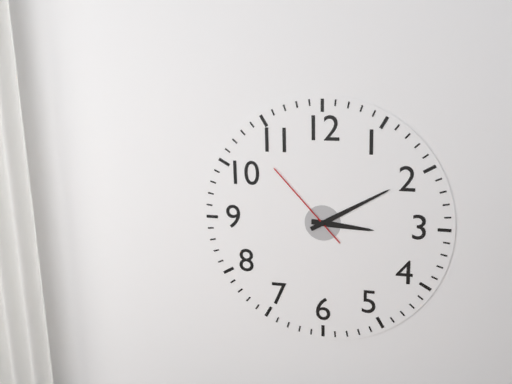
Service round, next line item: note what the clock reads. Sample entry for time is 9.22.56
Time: 3.10.53
